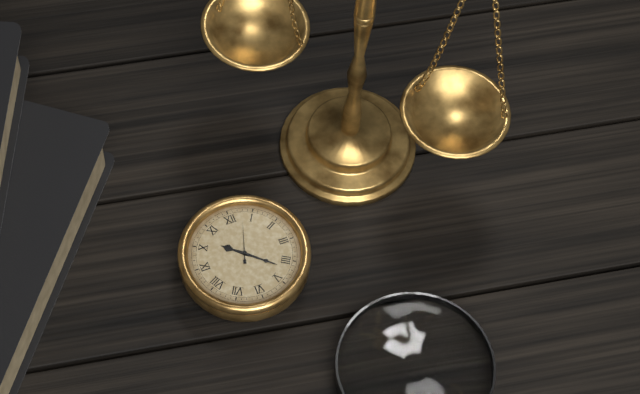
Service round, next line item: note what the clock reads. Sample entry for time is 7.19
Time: 10.22
